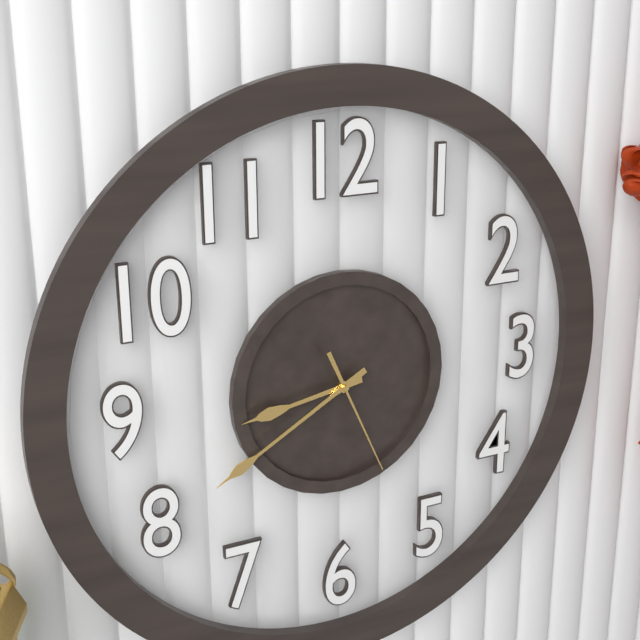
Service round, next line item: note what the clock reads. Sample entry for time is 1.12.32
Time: 8.40.26
